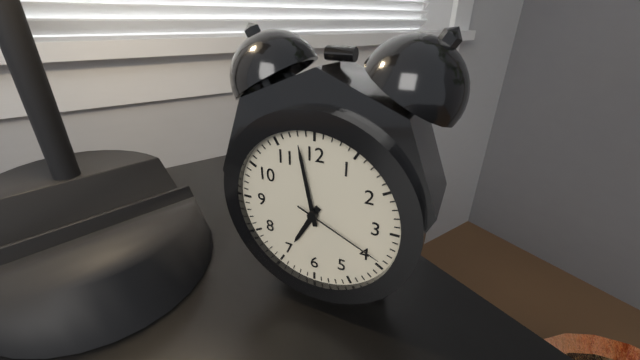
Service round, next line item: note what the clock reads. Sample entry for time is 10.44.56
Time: 6.58.19
